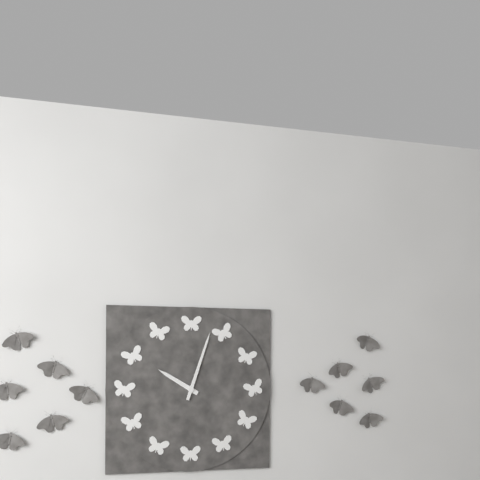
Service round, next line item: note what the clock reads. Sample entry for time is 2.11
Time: 10.03
